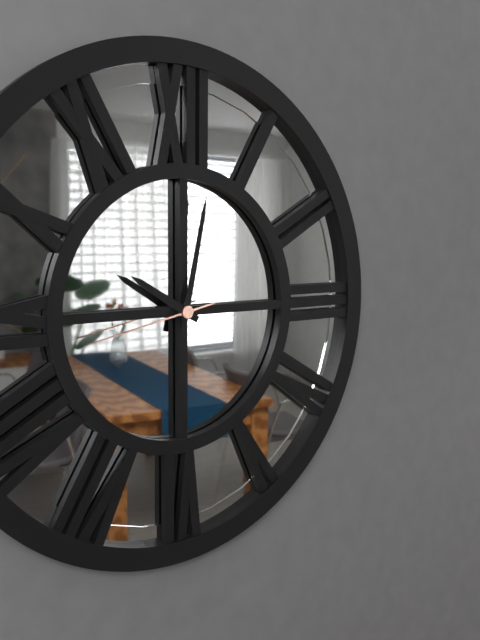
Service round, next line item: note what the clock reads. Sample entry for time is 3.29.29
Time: 10.02.43
